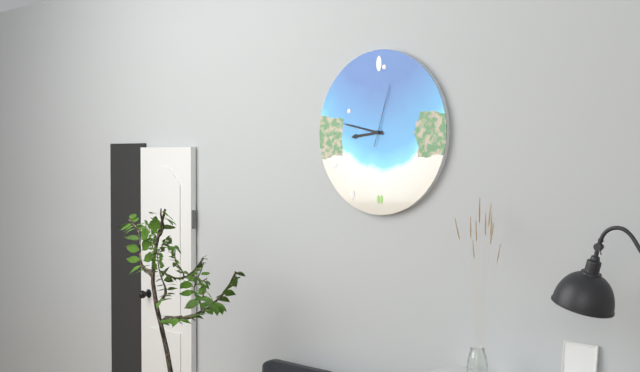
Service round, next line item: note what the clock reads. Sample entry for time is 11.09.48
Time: 8.47.03
